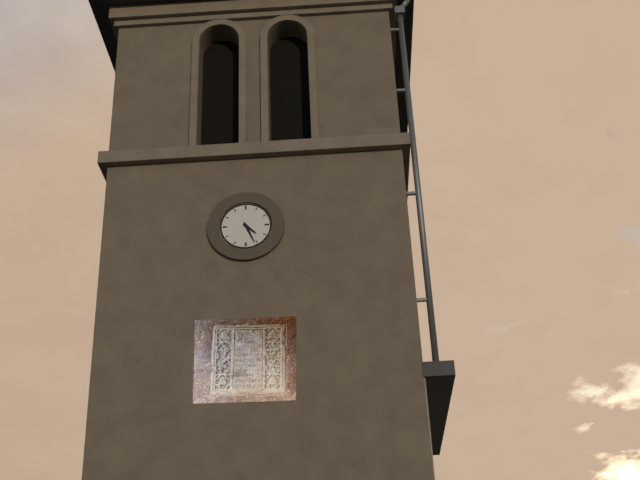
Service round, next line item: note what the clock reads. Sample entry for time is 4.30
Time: 4.26
